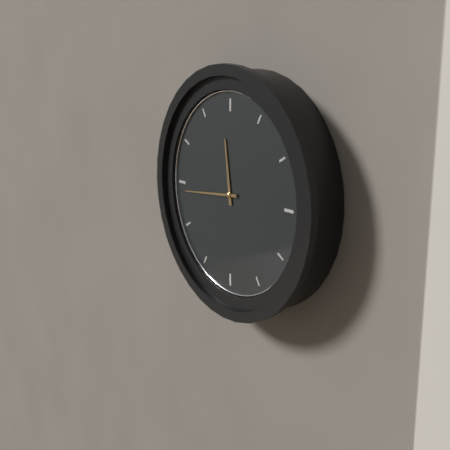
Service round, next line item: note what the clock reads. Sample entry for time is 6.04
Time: 11.44
